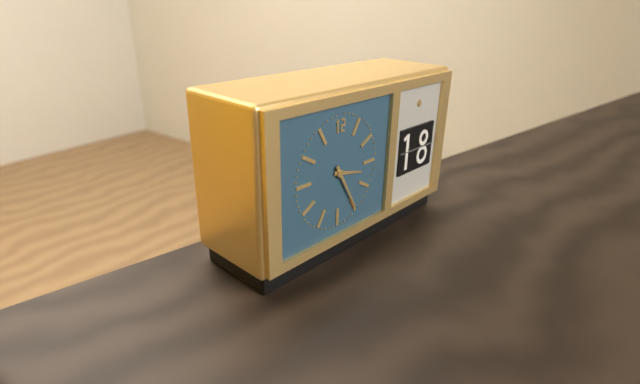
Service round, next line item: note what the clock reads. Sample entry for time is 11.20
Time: 3.25
